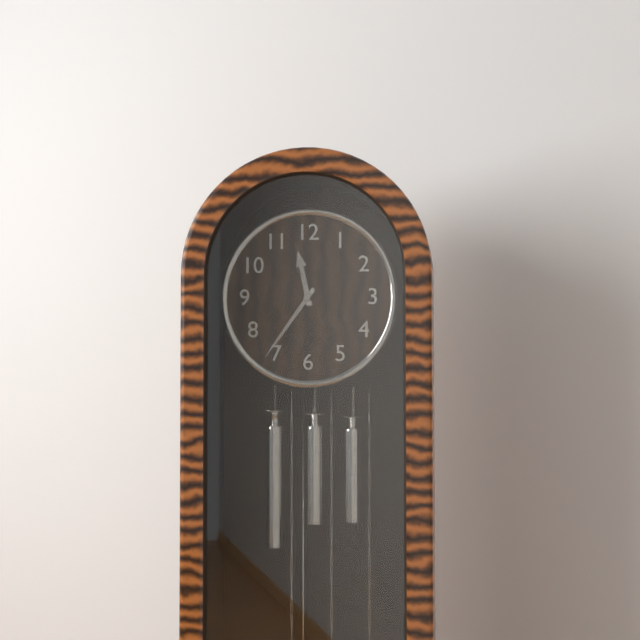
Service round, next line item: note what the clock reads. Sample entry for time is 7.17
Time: 11.36
